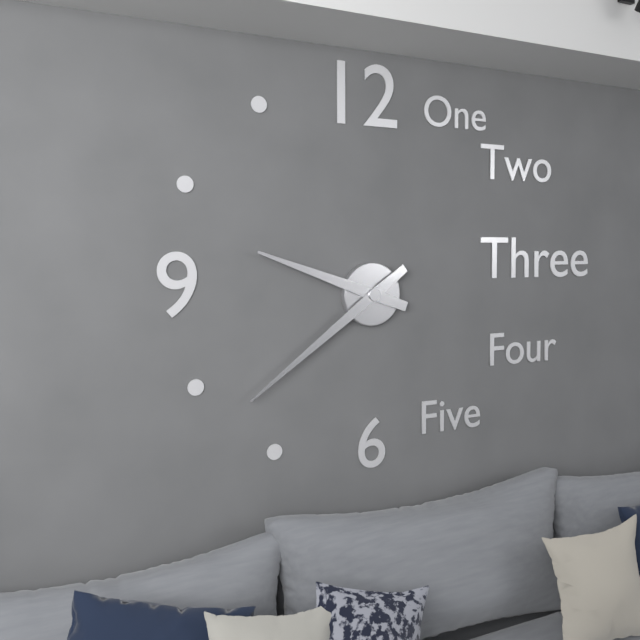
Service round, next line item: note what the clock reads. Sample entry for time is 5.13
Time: 9.39
